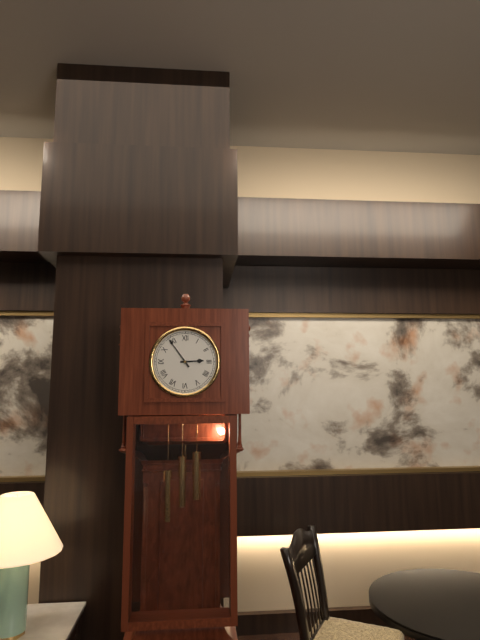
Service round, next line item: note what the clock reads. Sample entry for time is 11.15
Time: 2.54
